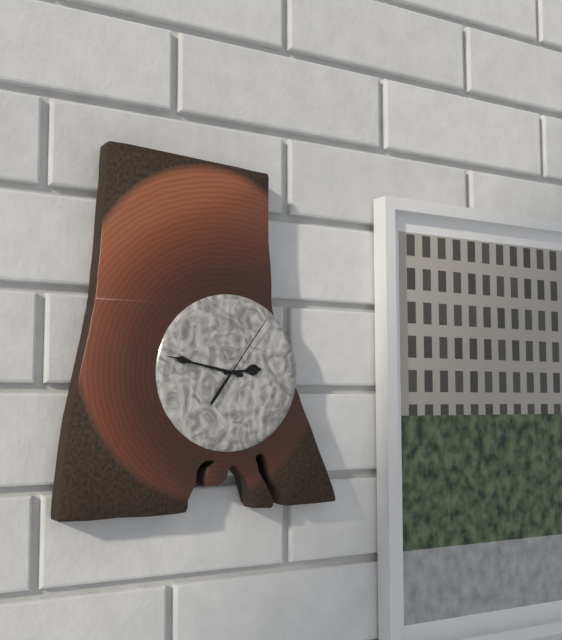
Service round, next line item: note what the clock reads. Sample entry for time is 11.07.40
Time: 2.47.06
